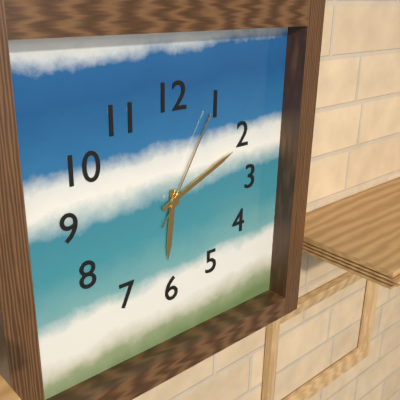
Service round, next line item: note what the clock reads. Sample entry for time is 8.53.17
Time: 6.11.05
